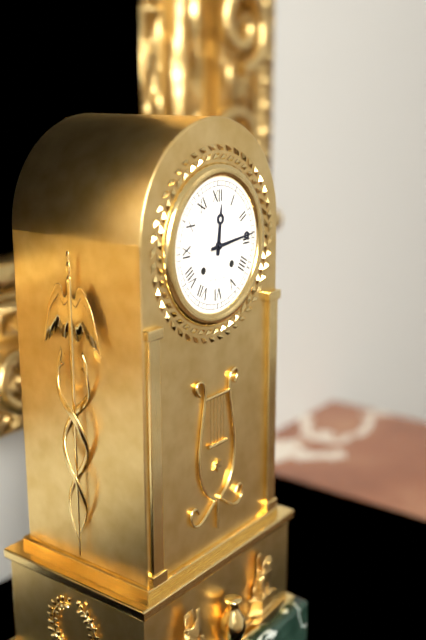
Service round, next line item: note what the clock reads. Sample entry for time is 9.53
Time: 12.14
